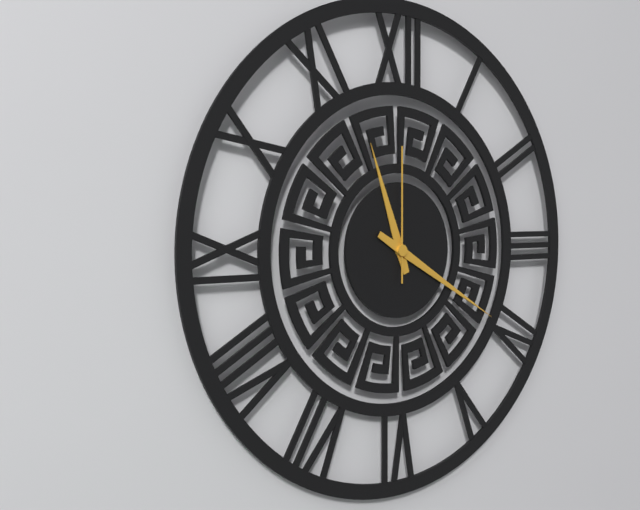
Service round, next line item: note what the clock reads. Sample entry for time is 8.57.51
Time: 11.20.00
